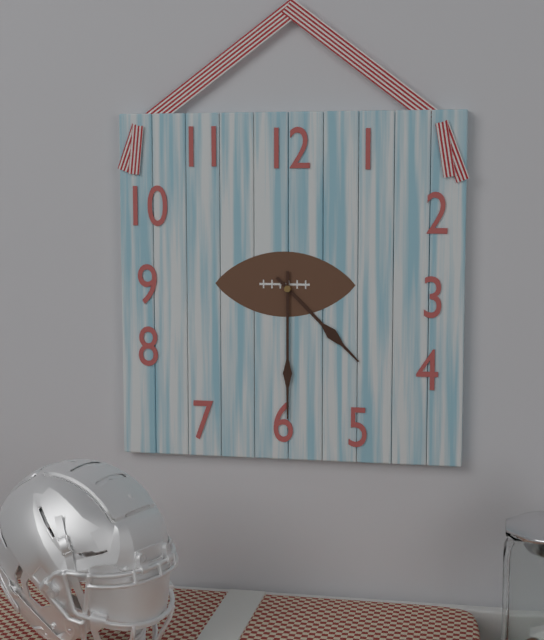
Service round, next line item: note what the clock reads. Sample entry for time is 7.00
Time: 4.30
